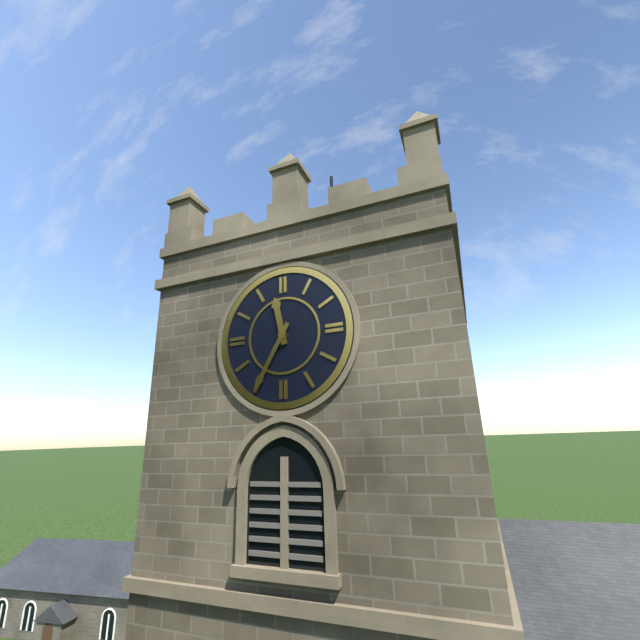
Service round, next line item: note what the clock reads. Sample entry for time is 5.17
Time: 11.35
